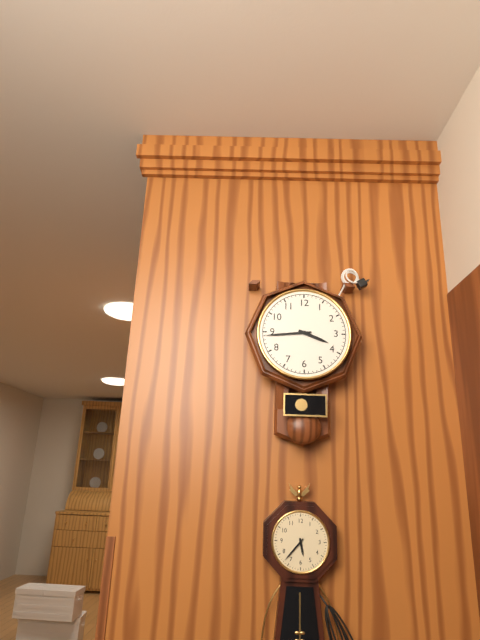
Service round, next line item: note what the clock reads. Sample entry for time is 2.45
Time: 3.44
